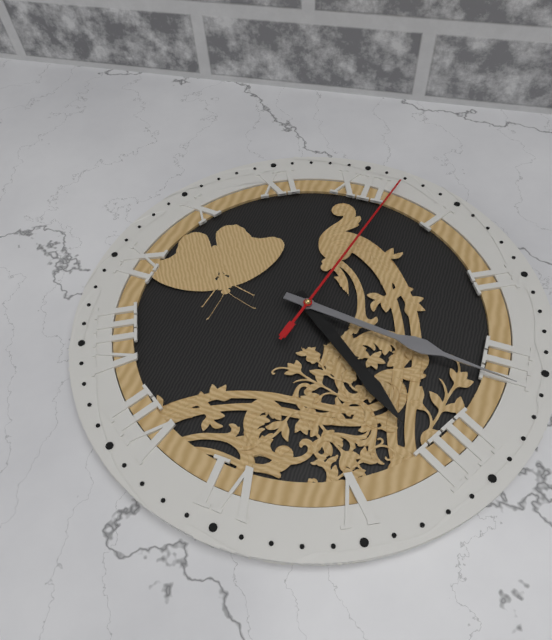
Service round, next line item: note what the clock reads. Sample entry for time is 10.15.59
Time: 4.16.02
